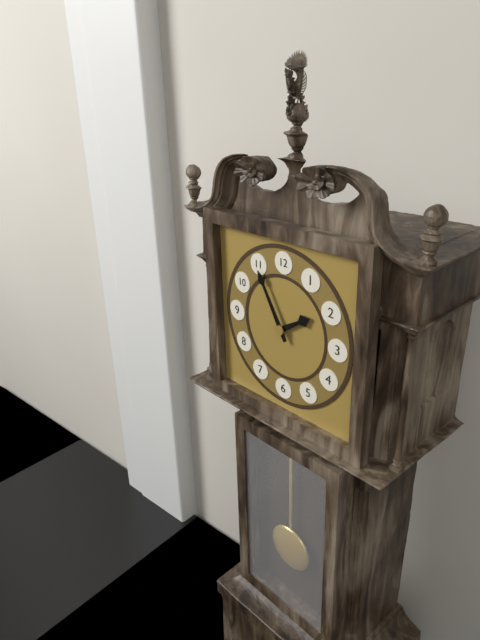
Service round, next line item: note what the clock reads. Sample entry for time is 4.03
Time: 1.55
